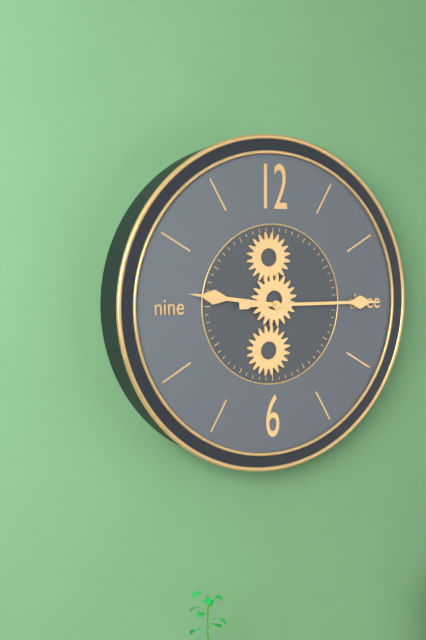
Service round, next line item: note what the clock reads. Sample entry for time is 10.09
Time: 9.15
